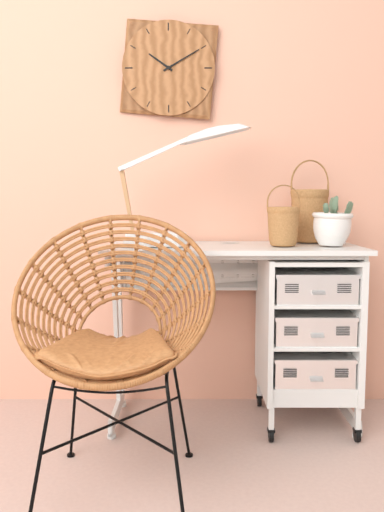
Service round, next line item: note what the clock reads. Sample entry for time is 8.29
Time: 10.10
